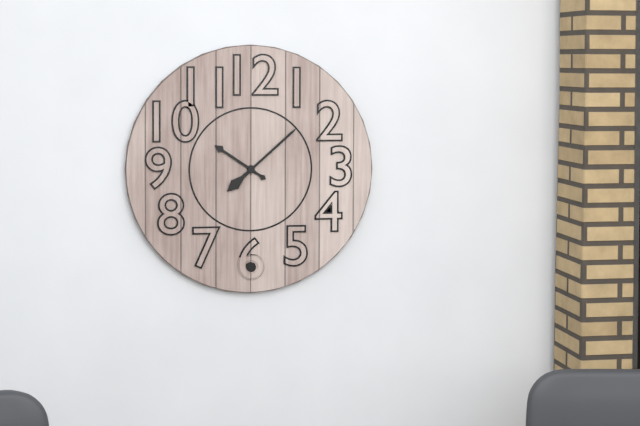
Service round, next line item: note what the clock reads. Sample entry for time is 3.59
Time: 10.08
